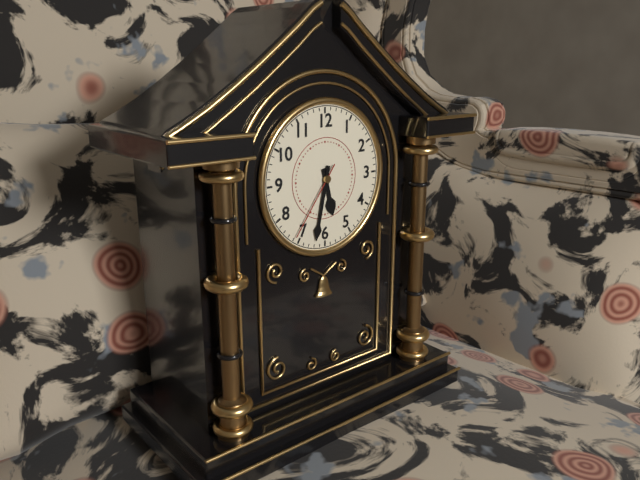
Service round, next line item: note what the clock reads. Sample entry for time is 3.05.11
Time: 5.32.36
